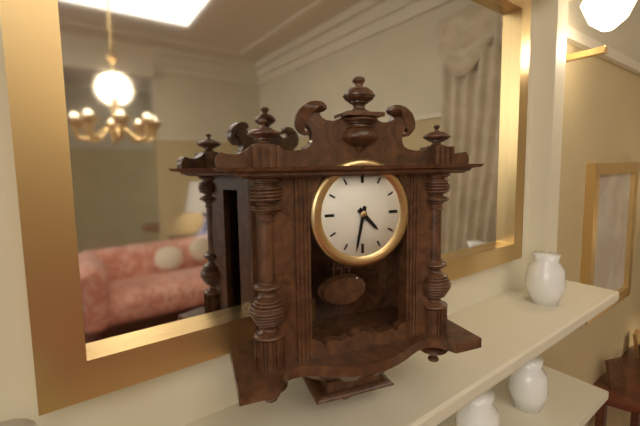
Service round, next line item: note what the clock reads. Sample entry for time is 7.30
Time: 4.32
